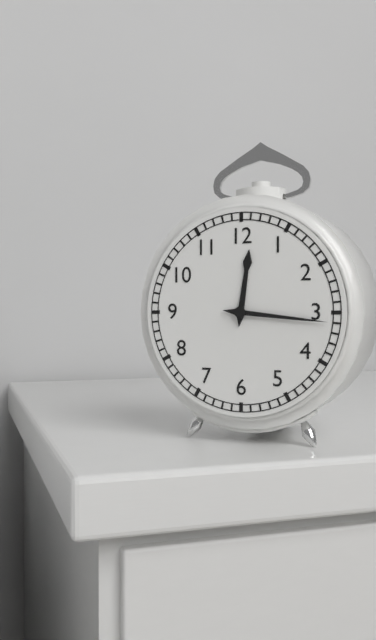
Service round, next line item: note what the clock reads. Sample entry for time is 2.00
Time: 12.16
